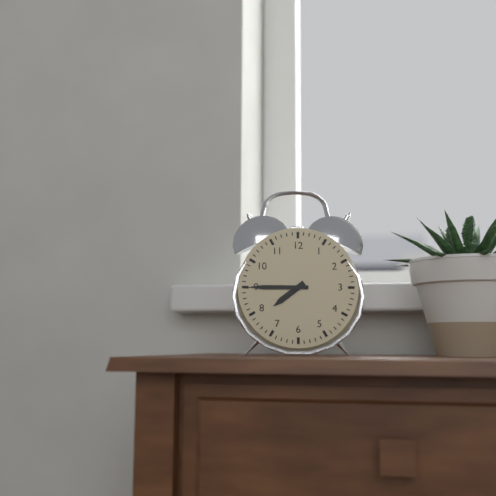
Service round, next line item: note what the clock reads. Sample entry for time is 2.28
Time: 7.45
